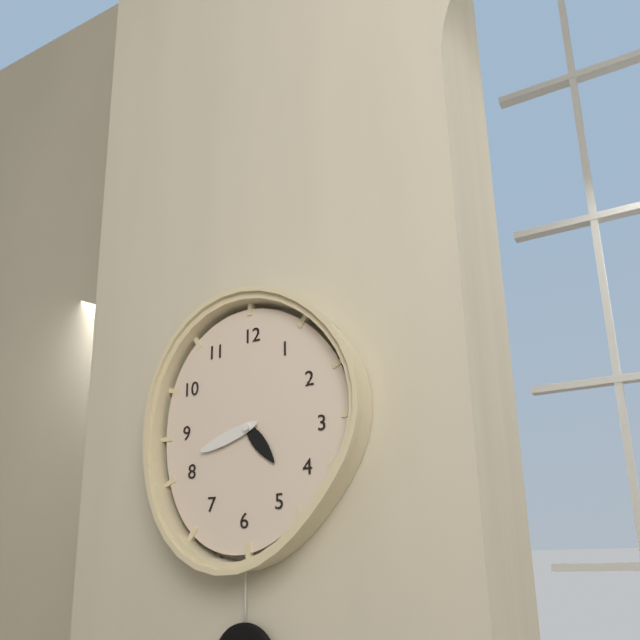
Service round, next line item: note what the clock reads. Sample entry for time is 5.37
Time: 4.42
